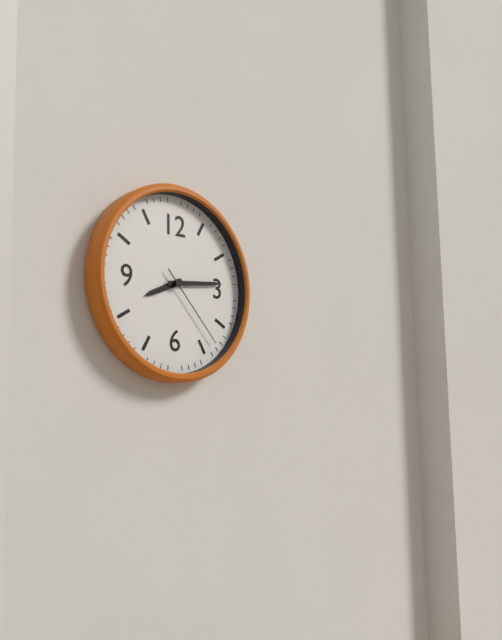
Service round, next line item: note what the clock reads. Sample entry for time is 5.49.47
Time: 8.14.23
